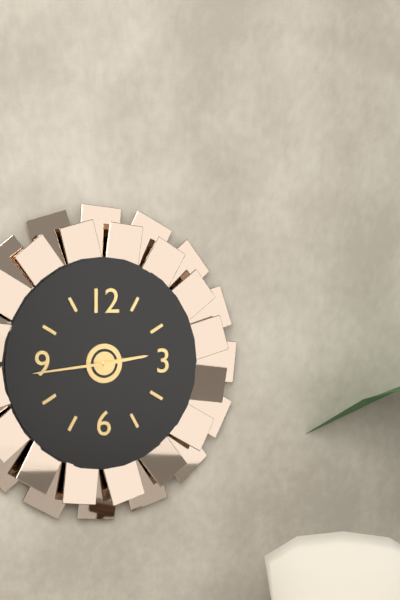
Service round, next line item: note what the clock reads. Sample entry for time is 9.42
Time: 2.44
